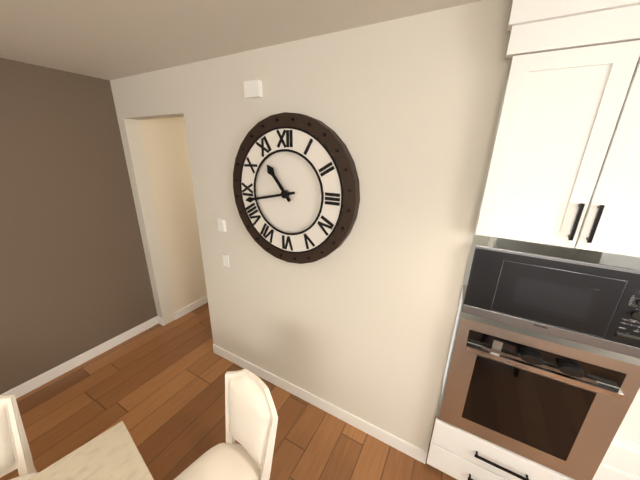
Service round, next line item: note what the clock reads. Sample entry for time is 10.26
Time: 10.43
